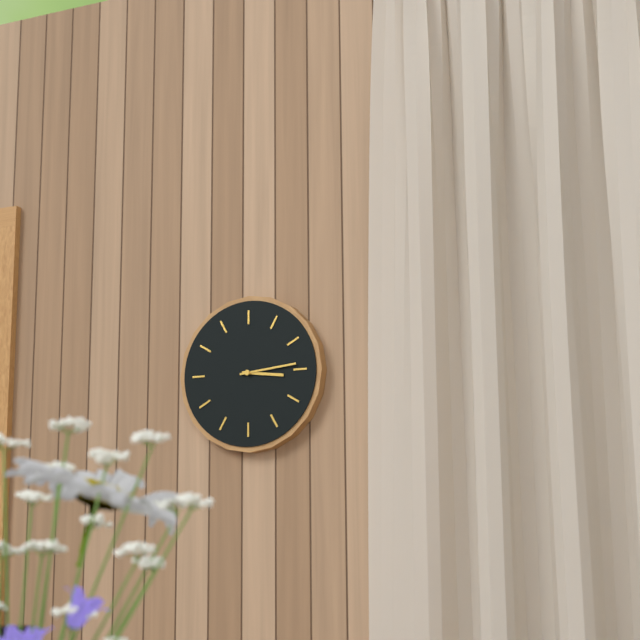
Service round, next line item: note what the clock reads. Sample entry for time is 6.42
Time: 3.14
